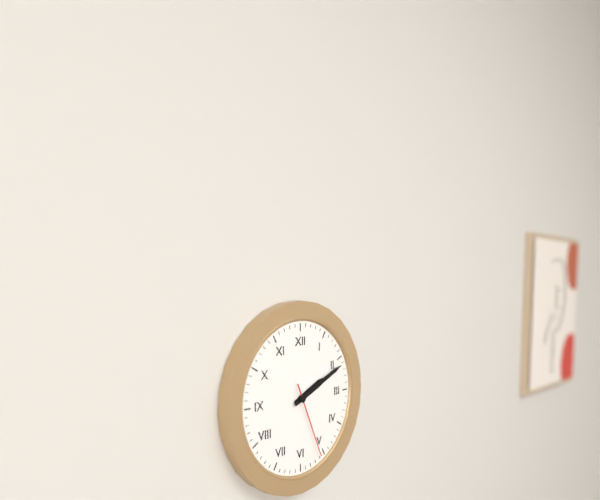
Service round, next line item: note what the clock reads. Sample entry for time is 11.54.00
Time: 2.11.26
